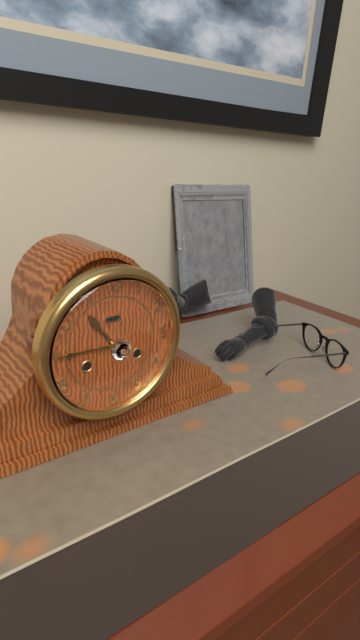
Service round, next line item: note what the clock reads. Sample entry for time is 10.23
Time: 10.45
